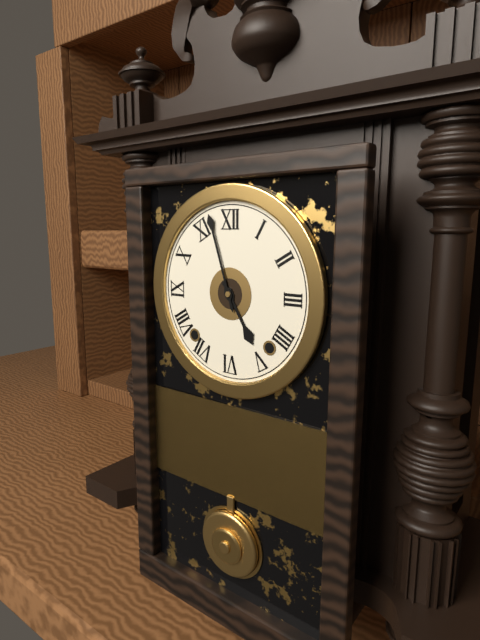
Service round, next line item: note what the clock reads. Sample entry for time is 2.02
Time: 4.57
